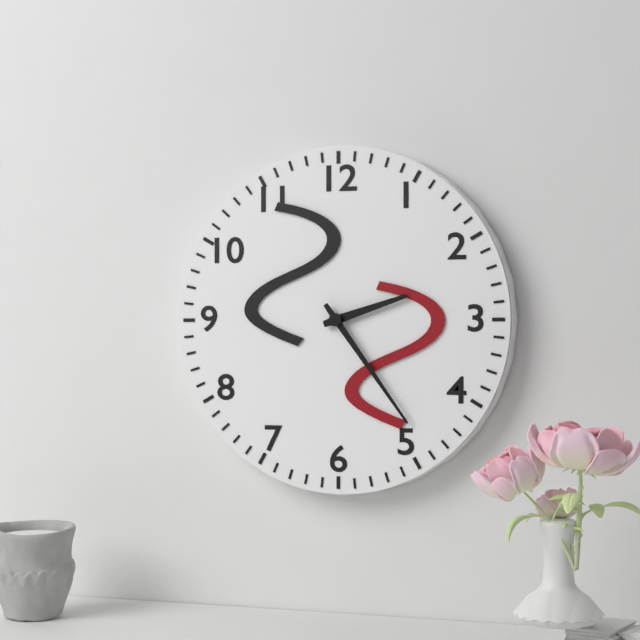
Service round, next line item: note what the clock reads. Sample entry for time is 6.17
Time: 2.24
